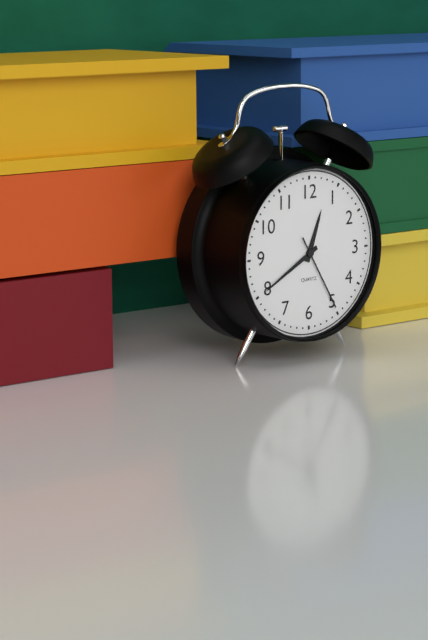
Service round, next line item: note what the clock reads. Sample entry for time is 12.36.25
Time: 12.40.25
